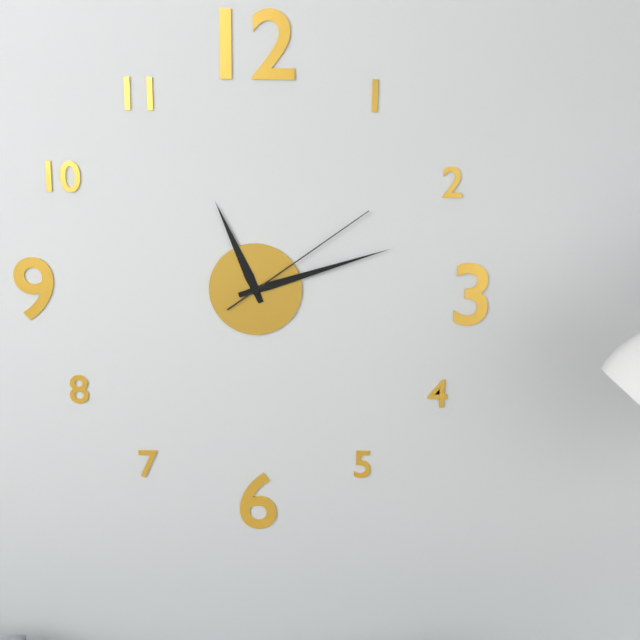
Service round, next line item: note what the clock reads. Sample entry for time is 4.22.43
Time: 11.12.09
